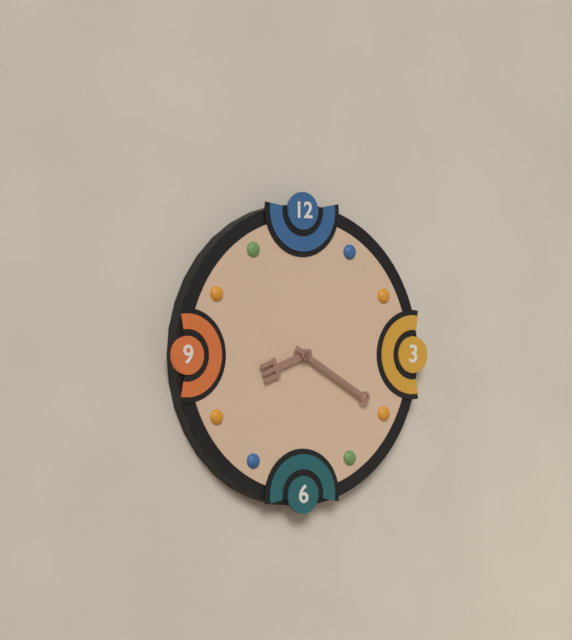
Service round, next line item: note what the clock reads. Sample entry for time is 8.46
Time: 8.20
